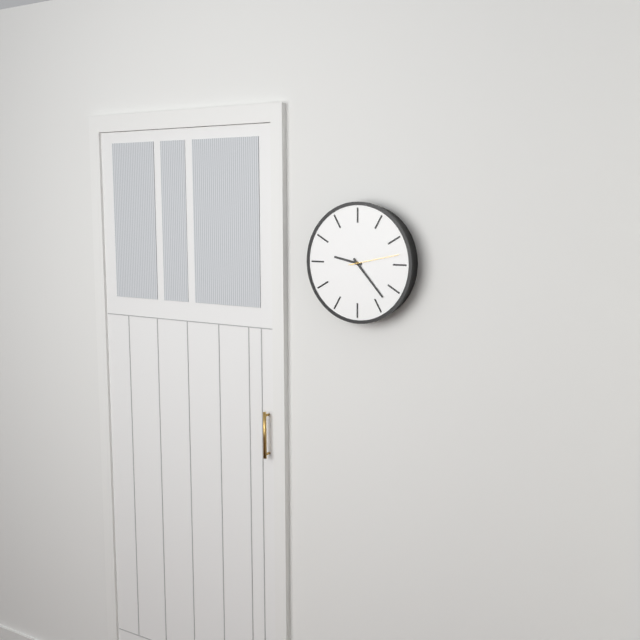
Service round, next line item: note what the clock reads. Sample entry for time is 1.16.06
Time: 9.23.13
